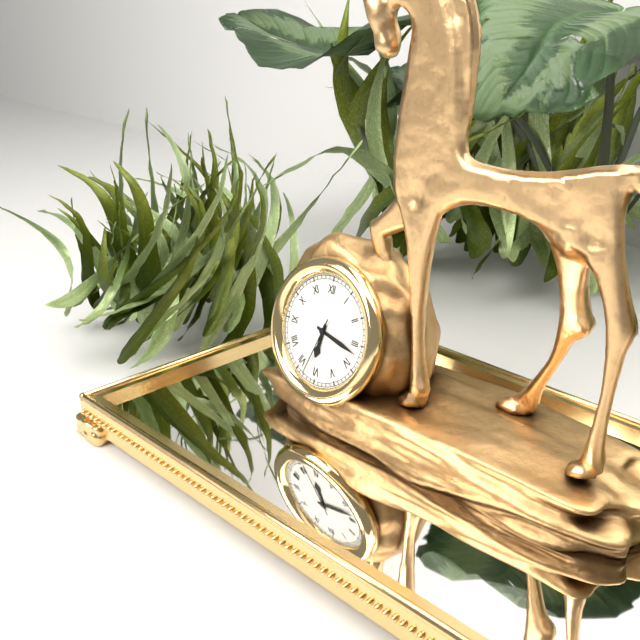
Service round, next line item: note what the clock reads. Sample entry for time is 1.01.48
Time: 6.17.33
